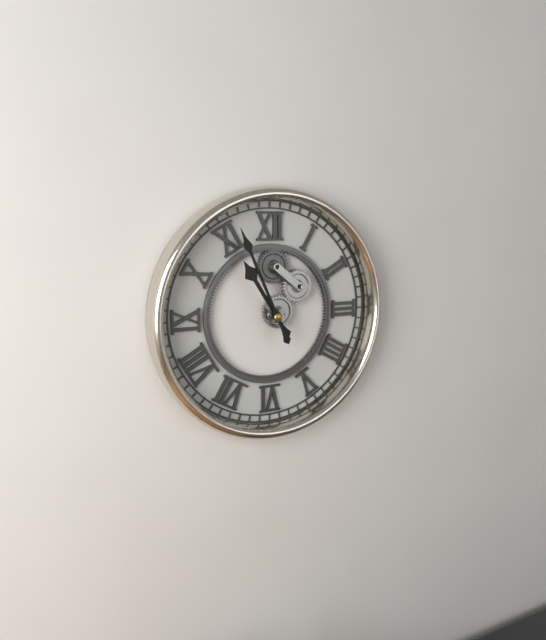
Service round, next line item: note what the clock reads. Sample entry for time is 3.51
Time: 10.56
